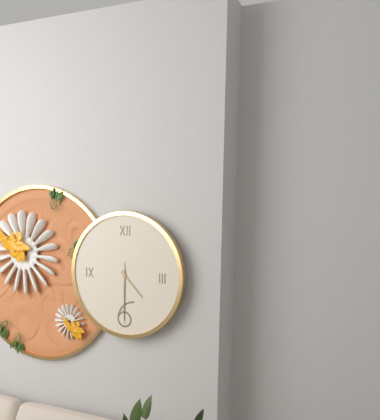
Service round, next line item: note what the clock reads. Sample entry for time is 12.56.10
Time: 4.30.30
